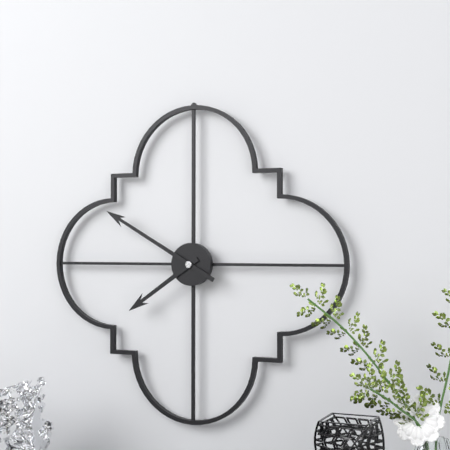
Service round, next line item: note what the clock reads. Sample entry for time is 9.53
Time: 7.50
